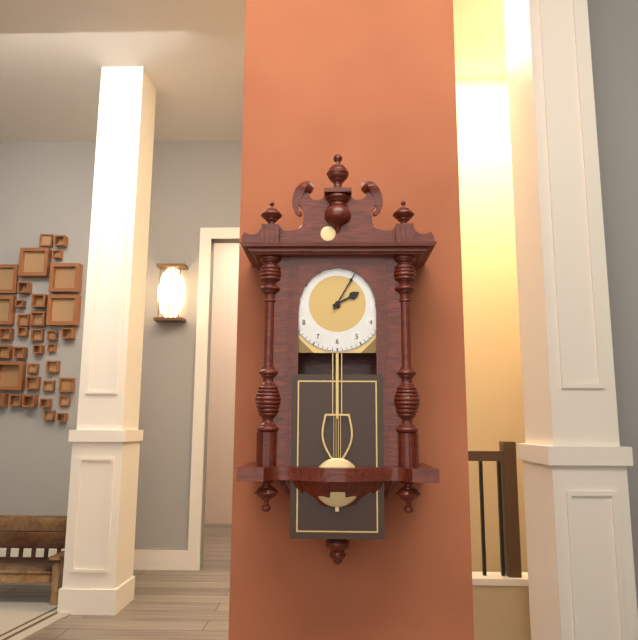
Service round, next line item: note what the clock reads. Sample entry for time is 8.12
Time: 2.05
